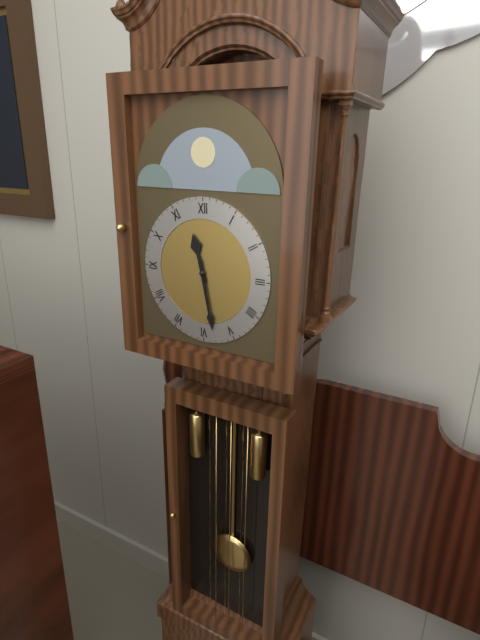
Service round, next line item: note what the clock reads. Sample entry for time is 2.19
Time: 11.28
